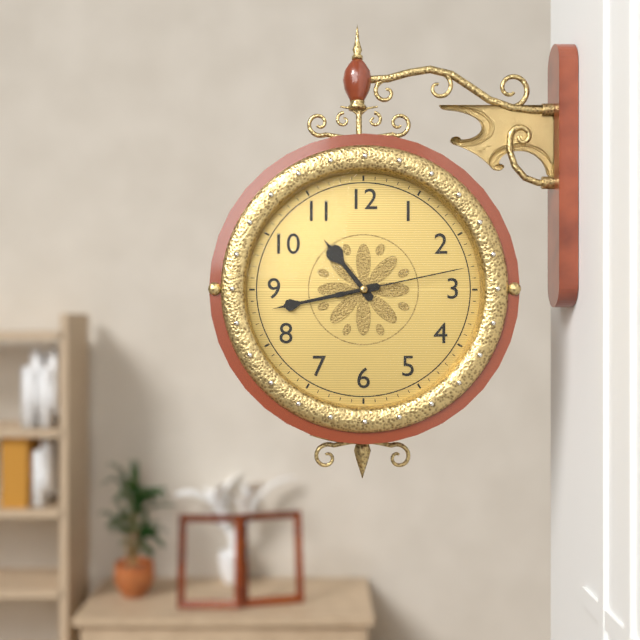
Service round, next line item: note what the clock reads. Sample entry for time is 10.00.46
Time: 10.43.13
